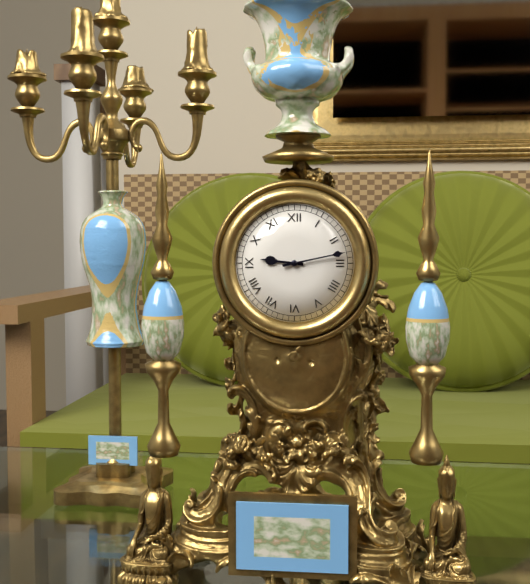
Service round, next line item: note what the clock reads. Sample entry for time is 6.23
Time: 9.13
